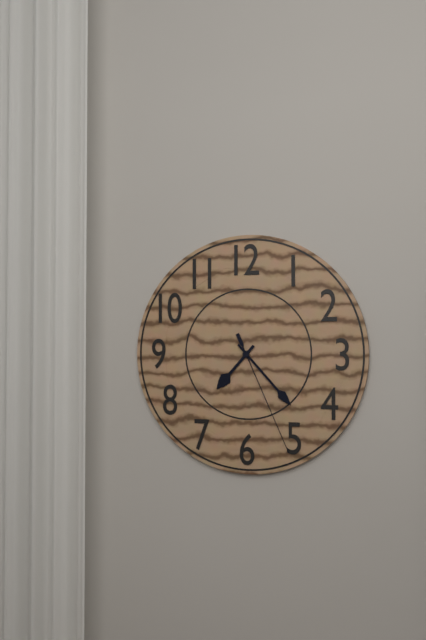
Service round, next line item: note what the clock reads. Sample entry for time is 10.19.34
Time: 7.23.26
